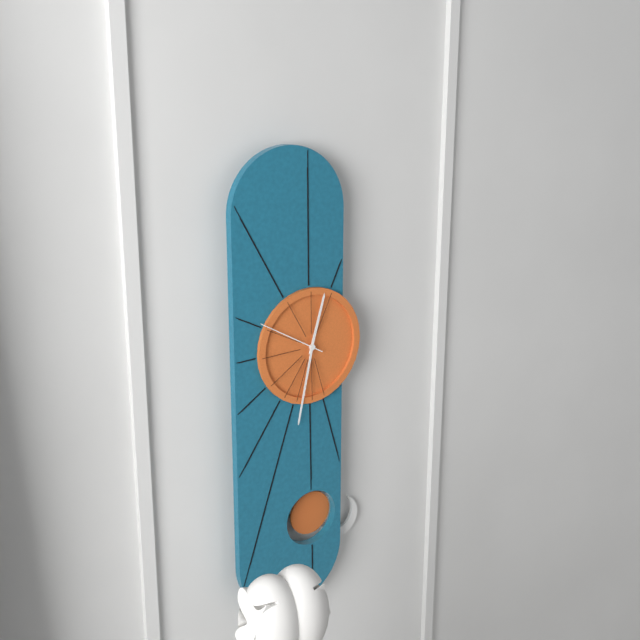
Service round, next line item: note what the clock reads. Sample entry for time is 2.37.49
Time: 12.32.50
